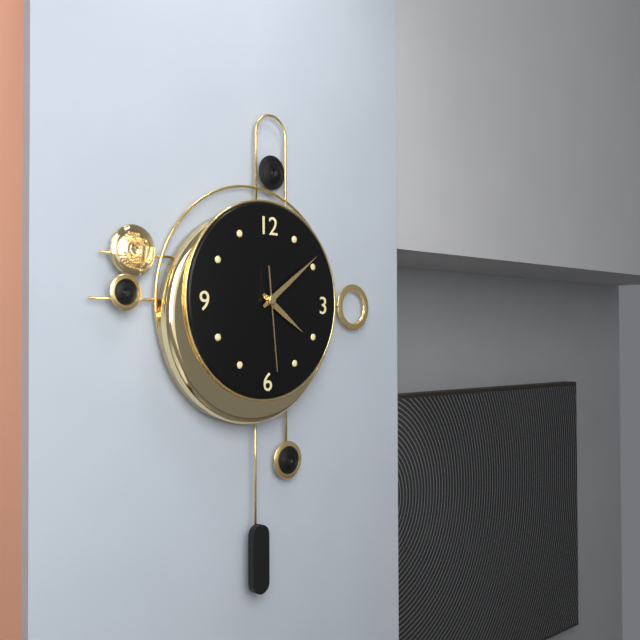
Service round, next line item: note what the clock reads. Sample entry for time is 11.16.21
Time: 4.09.29
